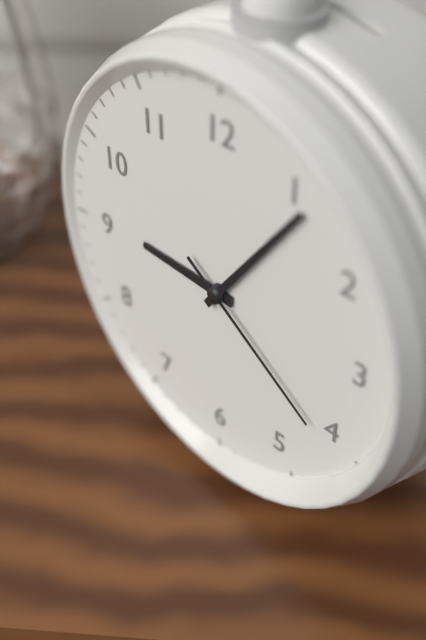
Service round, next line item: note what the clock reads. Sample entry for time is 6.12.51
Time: 9.06.21
